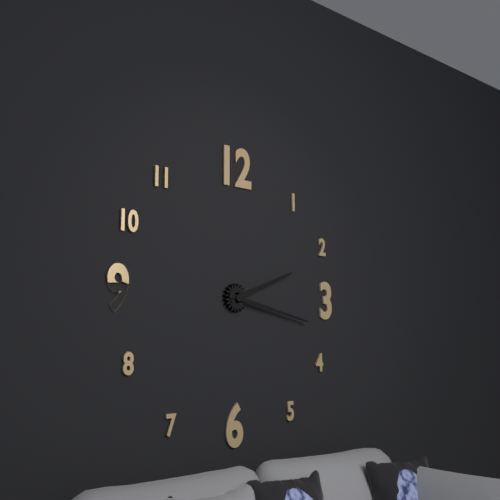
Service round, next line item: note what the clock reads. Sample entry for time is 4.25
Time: 2.17
